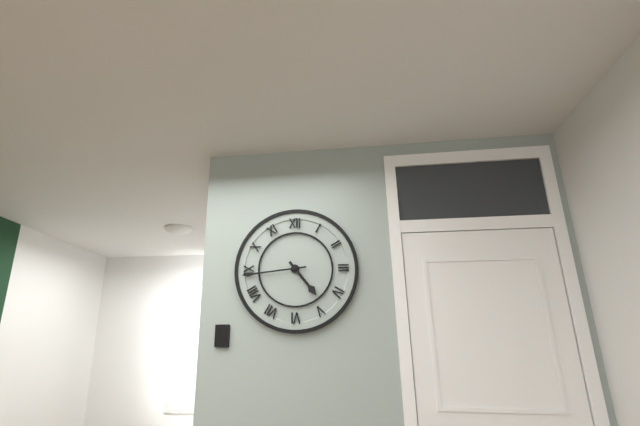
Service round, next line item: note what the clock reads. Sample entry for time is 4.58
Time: 4.44
